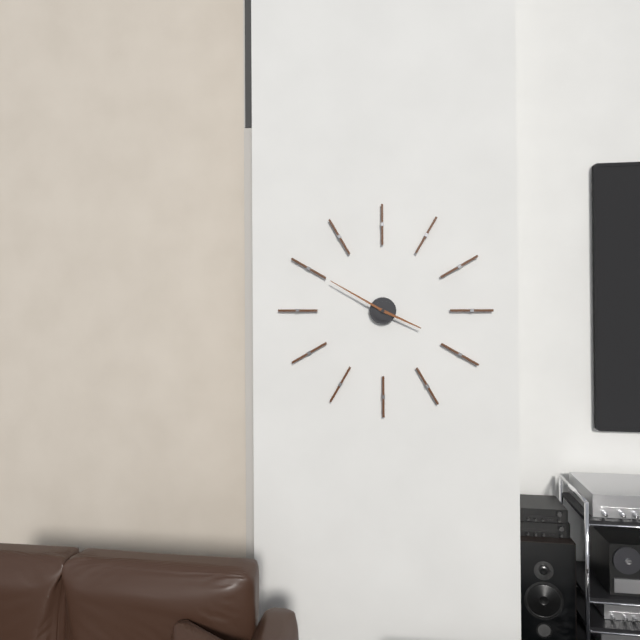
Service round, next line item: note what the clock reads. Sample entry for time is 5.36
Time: 3.50
